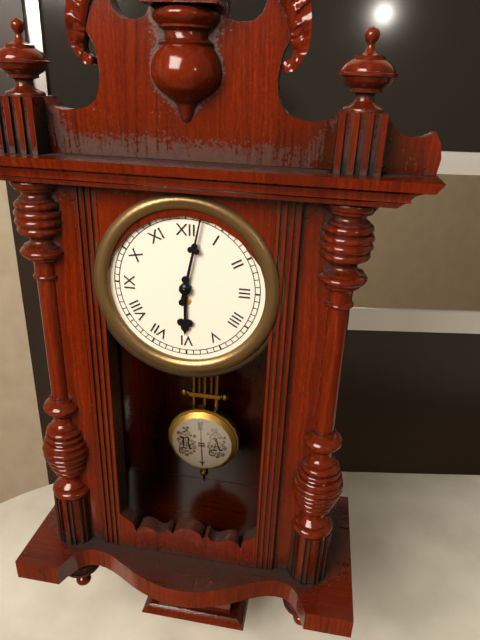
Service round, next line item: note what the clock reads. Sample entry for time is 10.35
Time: 6.02
